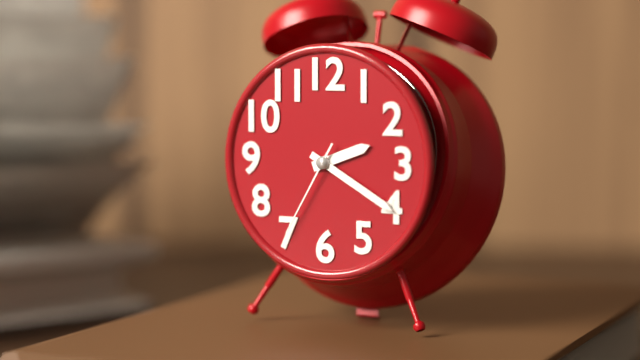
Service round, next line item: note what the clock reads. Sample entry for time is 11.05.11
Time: 2.20.35
